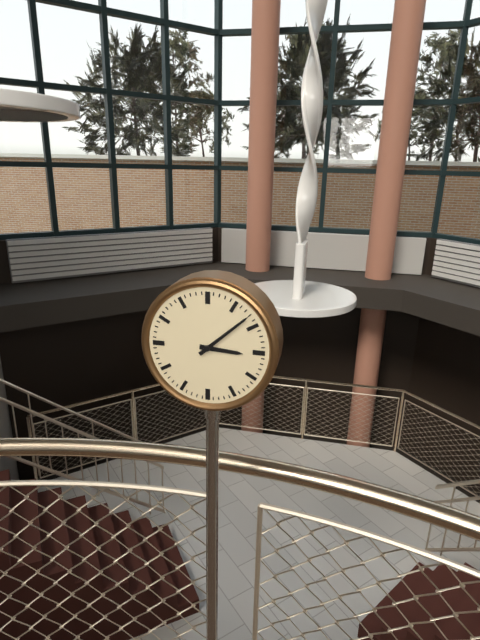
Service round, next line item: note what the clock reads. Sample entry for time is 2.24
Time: 3.08
